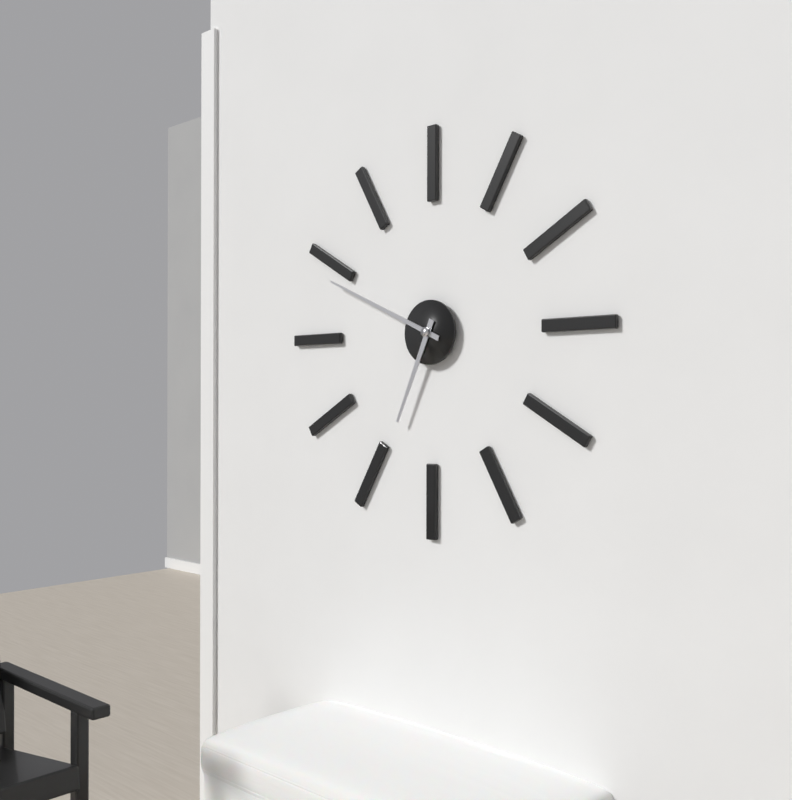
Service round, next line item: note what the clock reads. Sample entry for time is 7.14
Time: 6.49
